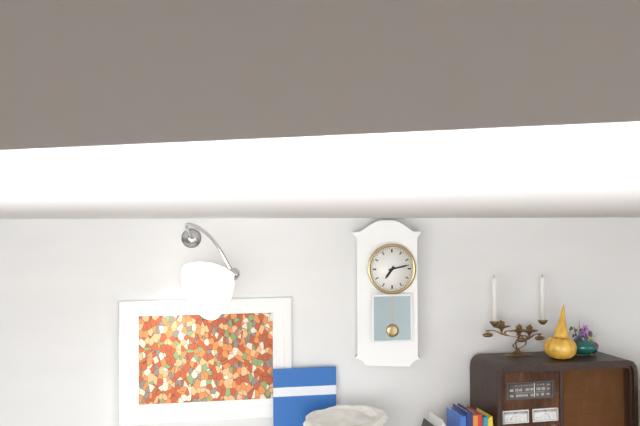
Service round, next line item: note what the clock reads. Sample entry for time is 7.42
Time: 7.13
